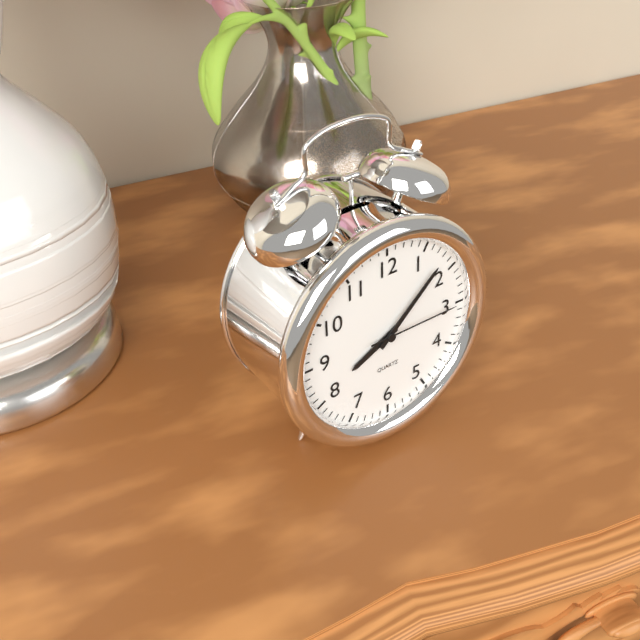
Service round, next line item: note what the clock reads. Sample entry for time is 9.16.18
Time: 8.08.15
